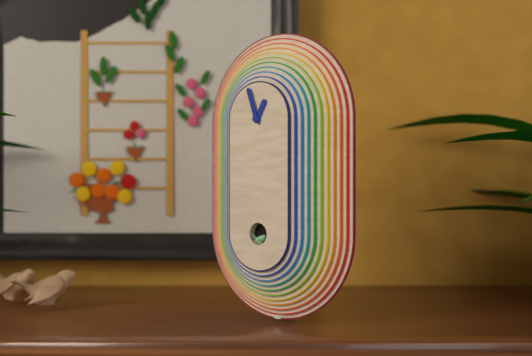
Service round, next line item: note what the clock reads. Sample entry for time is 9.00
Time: 12.57
